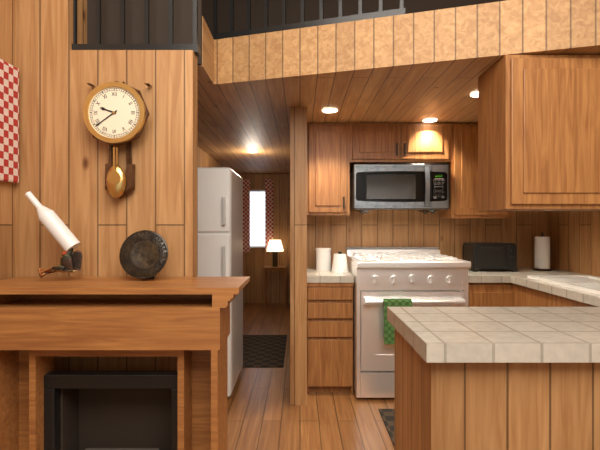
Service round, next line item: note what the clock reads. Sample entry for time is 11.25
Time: 9.39
